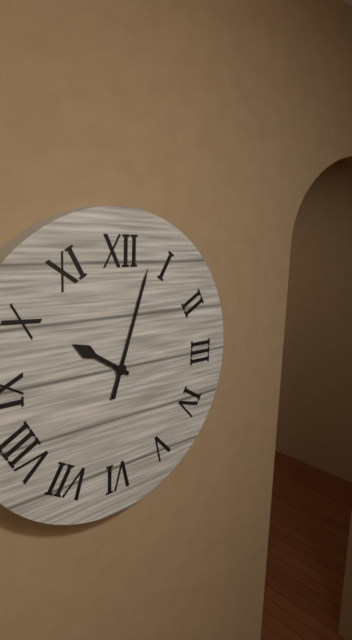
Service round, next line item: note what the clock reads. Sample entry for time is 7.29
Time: 10.03
